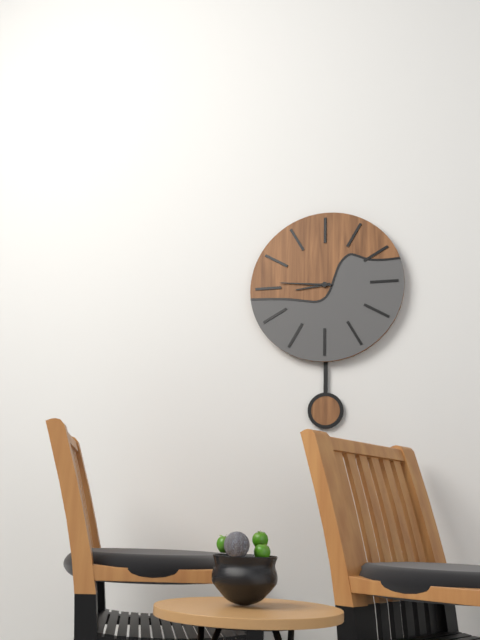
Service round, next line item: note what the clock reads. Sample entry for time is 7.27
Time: 8.46
